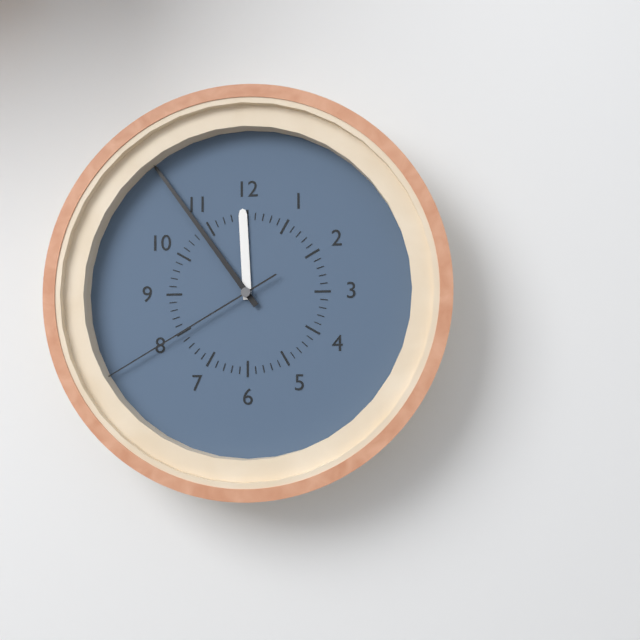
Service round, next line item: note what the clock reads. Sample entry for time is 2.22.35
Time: 11.54.40
